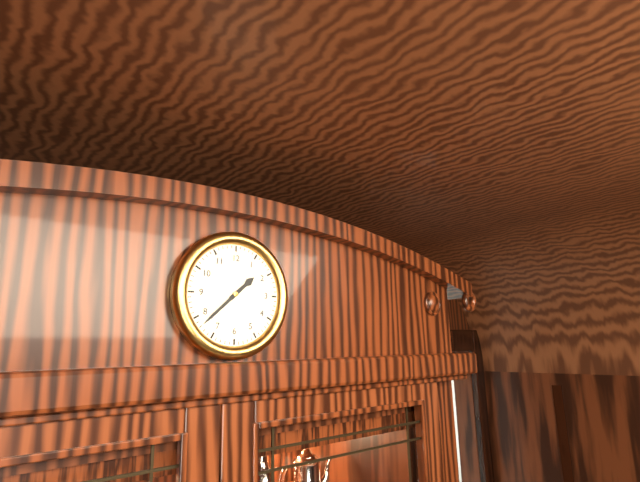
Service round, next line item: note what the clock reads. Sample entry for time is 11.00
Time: 1.38
